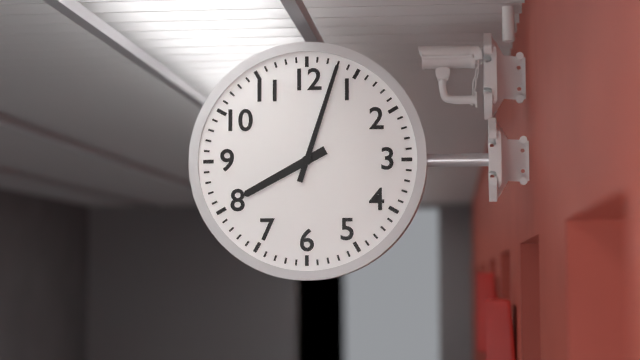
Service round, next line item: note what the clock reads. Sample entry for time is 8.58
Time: 8.03
